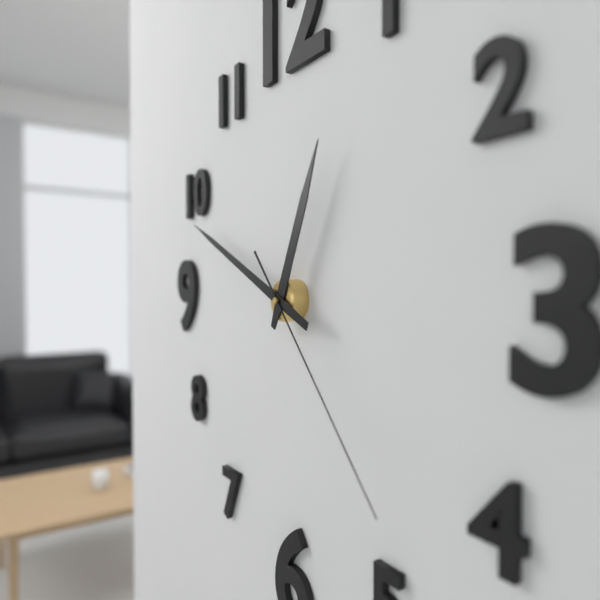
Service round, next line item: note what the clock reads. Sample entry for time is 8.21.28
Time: 12.49.23
